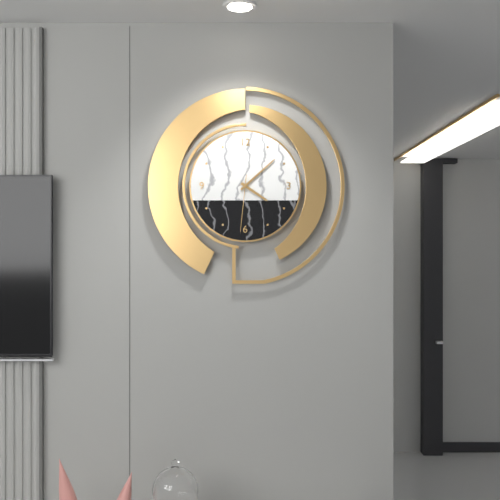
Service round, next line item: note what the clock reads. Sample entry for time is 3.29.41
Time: 4.08.31
